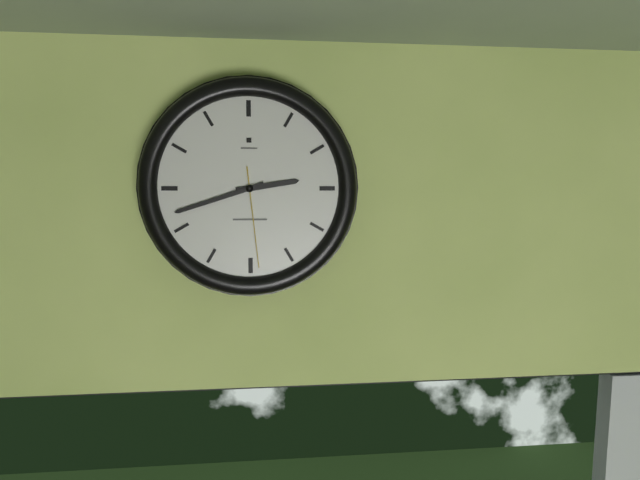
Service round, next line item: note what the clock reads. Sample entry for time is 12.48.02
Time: 2.42.29
